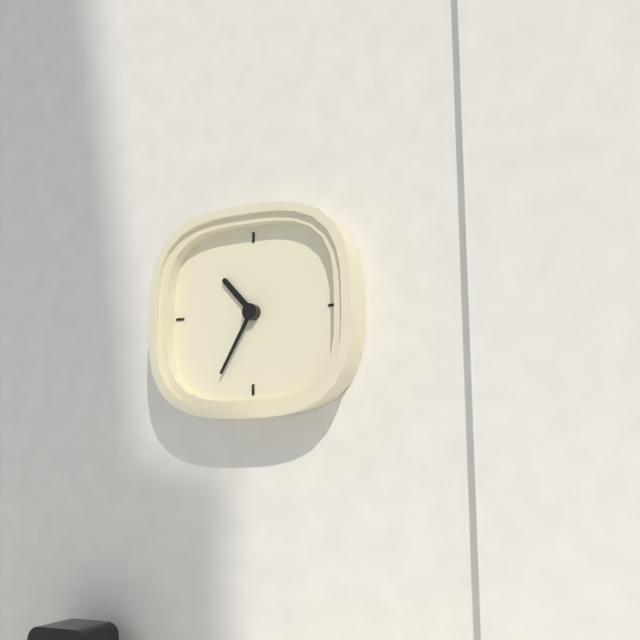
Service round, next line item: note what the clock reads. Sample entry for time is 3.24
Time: 10.35
